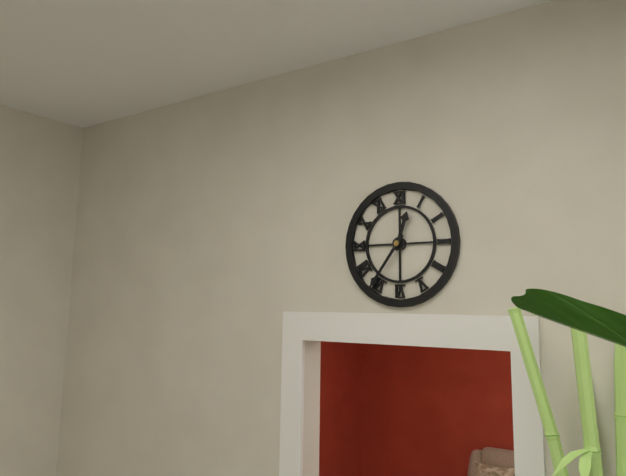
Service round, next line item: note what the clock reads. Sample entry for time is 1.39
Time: 12.36
